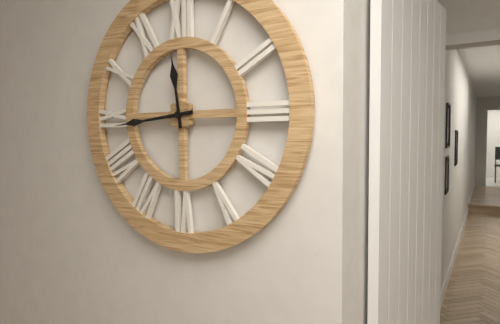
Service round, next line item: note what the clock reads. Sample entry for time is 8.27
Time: 11.44
